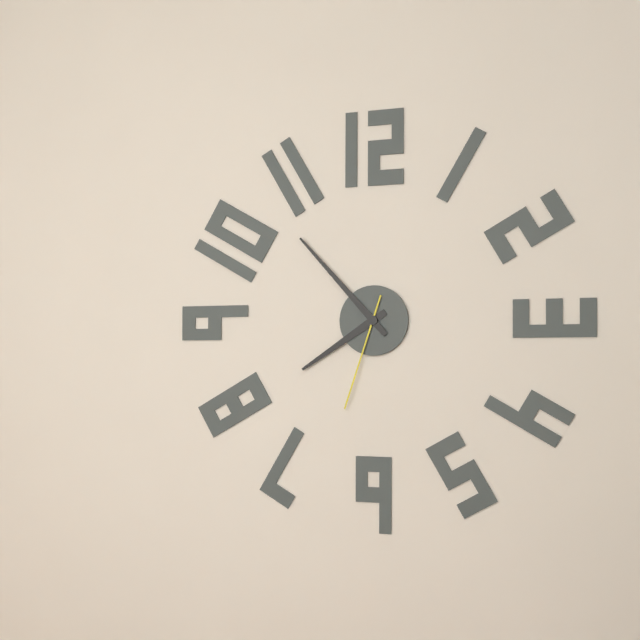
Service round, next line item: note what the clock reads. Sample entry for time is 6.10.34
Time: 7.53.33
